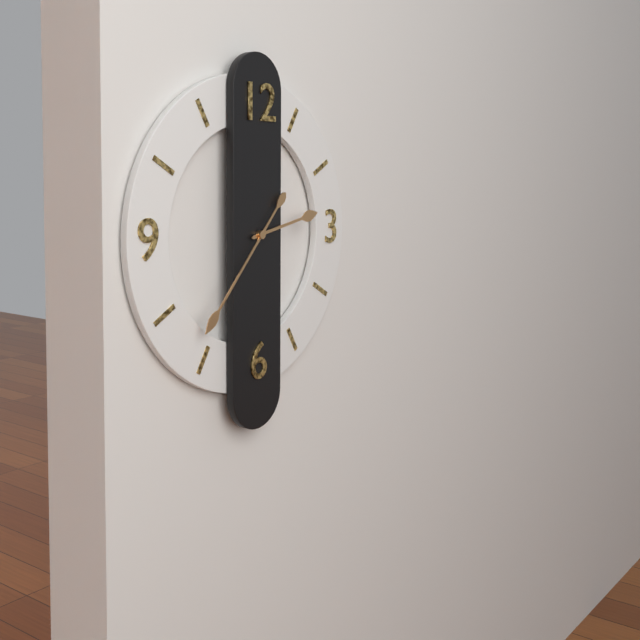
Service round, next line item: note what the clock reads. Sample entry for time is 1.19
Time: 2.37
